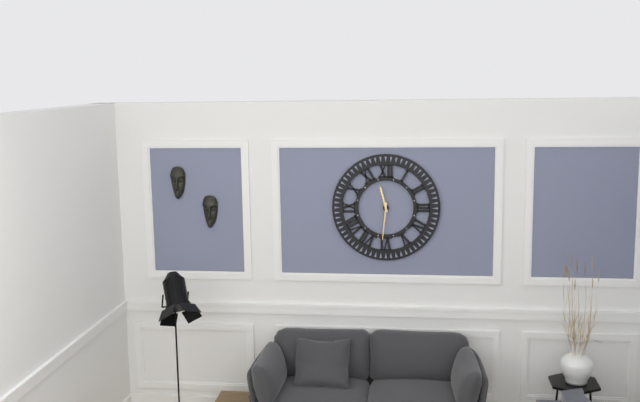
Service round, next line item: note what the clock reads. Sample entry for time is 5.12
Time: 11.31
